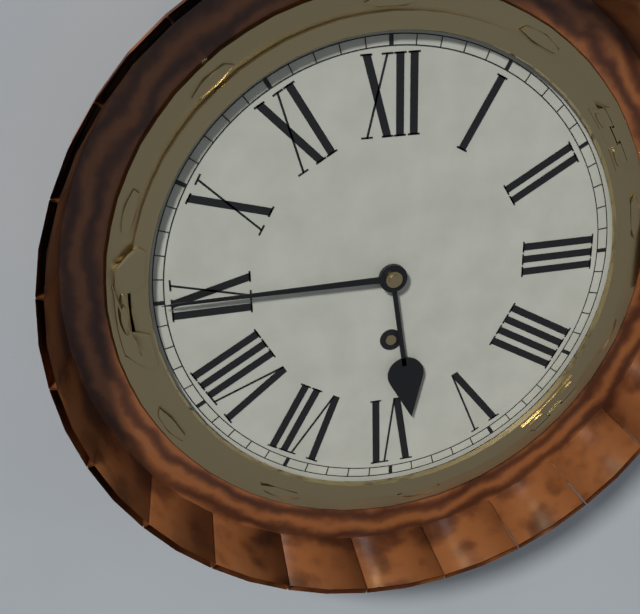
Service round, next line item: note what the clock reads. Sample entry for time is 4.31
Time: 5.45
